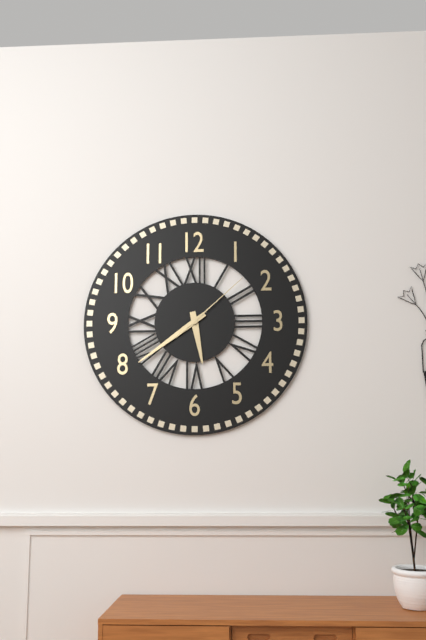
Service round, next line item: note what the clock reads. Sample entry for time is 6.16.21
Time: 5.39.08
